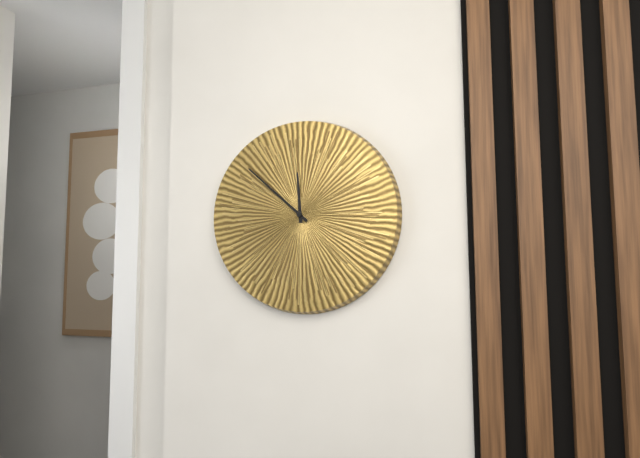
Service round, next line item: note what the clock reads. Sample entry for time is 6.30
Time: 11.52
